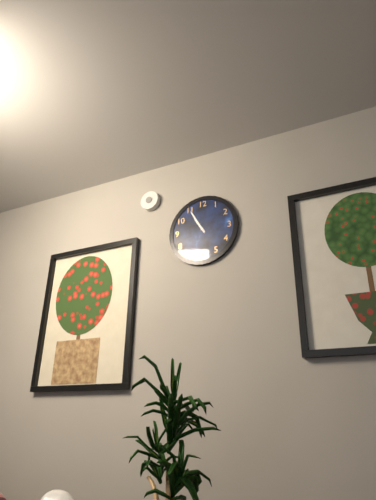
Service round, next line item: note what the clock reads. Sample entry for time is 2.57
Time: 10.55
